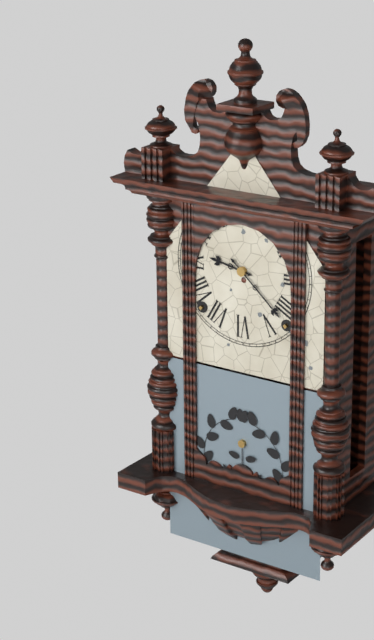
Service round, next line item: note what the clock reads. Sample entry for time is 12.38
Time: 9.22
